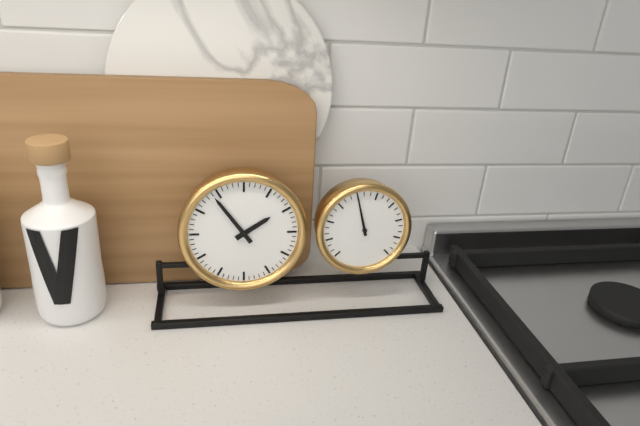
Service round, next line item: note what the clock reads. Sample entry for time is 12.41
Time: 1.54
